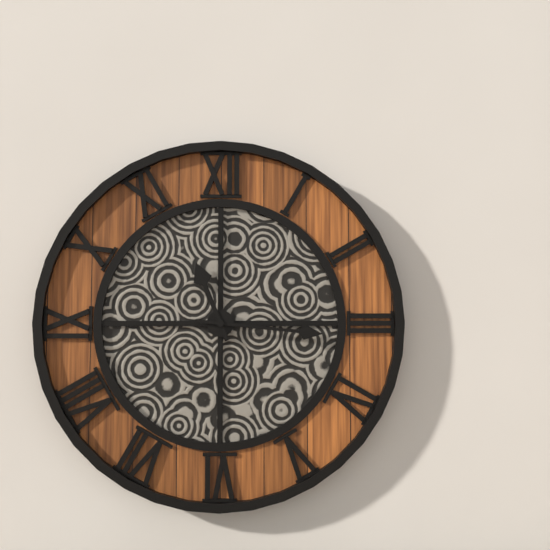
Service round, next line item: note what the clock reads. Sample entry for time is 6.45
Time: 11.16
